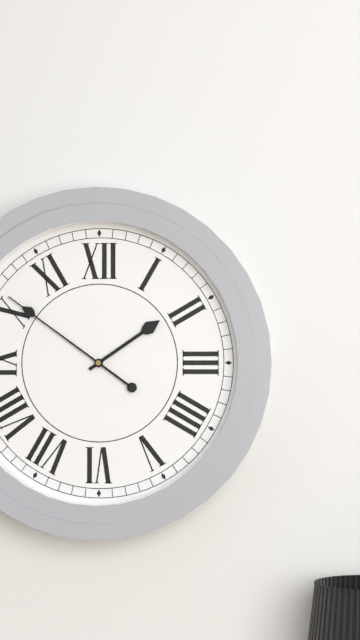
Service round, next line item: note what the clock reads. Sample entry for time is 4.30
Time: 1.51
